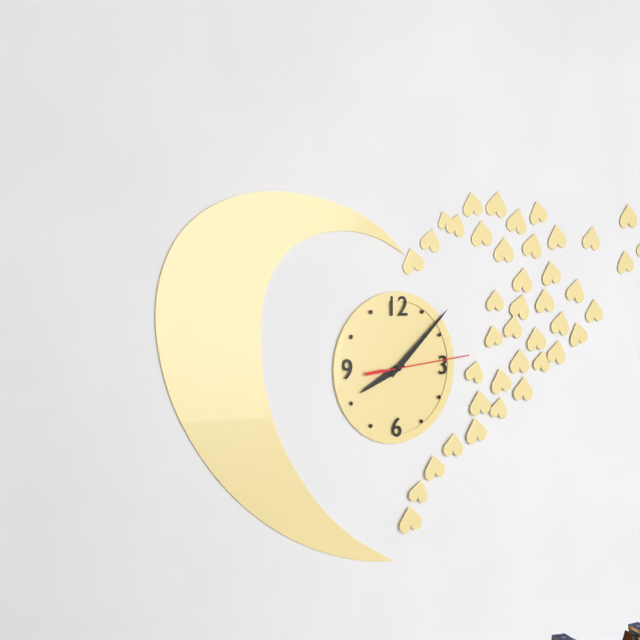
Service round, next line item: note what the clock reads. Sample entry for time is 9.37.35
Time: 8.08.14
